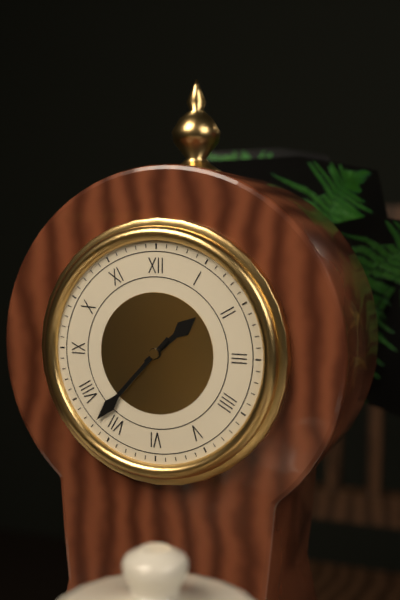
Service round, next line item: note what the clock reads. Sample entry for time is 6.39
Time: 1.37
